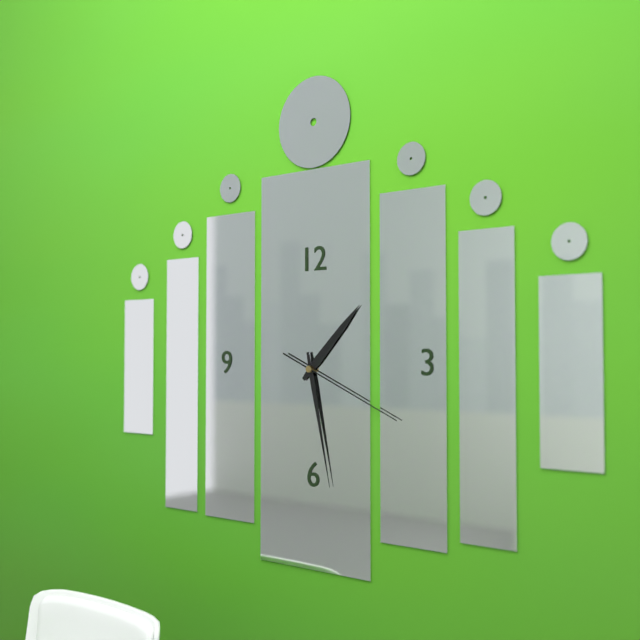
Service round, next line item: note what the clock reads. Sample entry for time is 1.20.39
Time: 1.28.19
